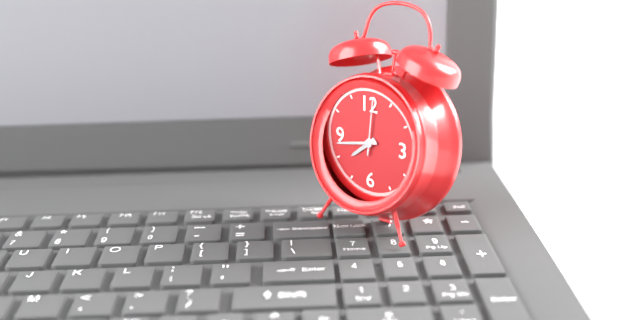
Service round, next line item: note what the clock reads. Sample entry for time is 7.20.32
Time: 7.43.01
